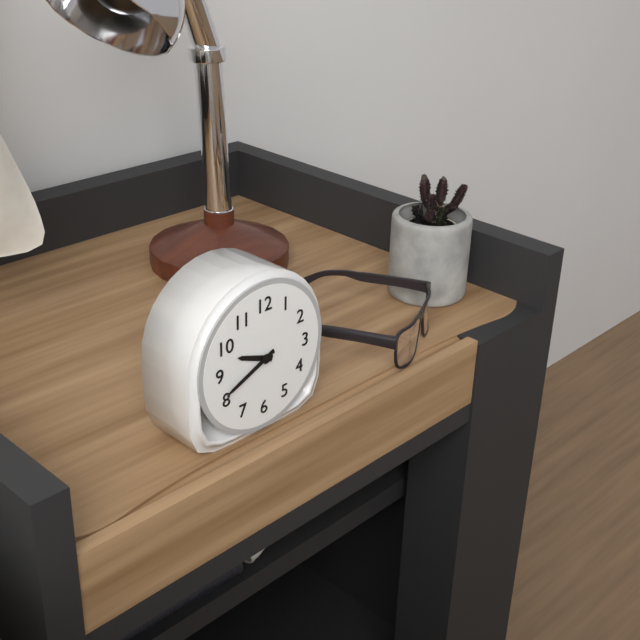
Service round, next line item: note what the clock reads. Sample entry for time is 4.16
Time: 9.41
